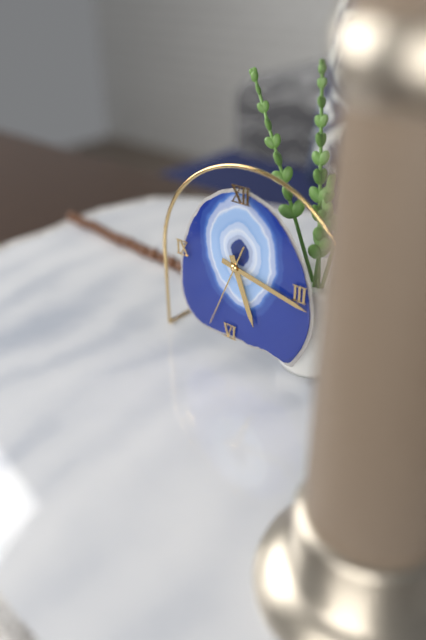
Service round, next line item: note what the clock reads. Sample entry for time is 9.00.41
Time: 5.17.34
